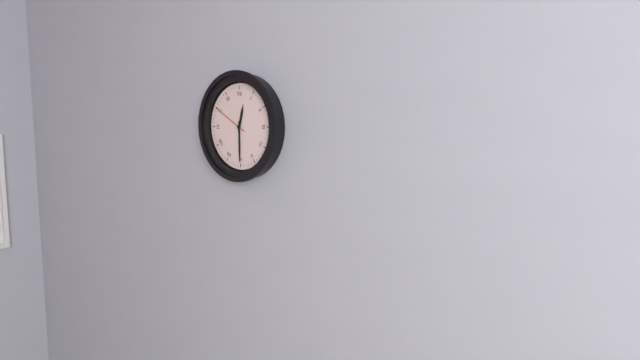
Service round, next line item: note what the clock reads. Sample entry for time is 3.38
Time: 12.30
